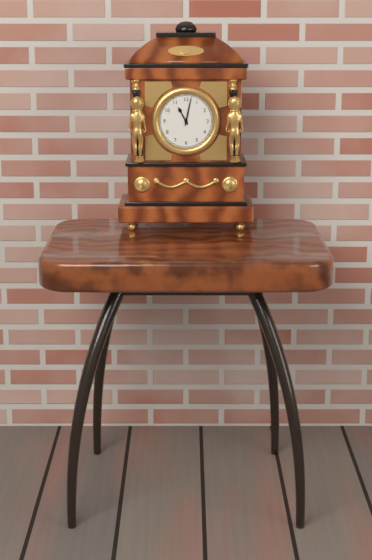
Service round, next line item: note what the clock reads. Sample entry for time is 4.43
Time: 11.02
